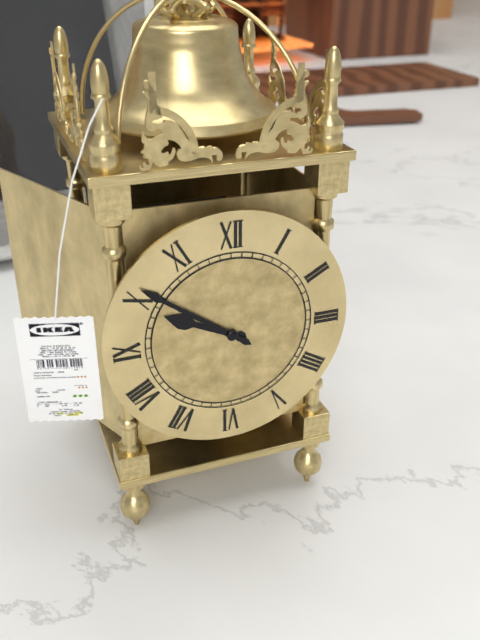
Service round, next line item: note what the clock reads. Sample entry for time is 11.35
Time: 9.51
